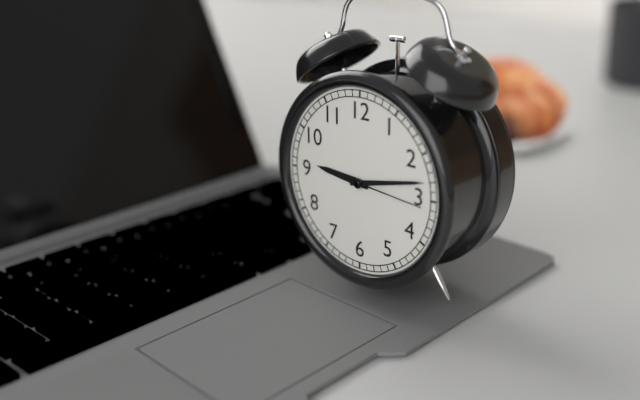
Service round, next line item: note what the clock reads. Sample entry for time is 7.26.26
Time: 9.13.16
